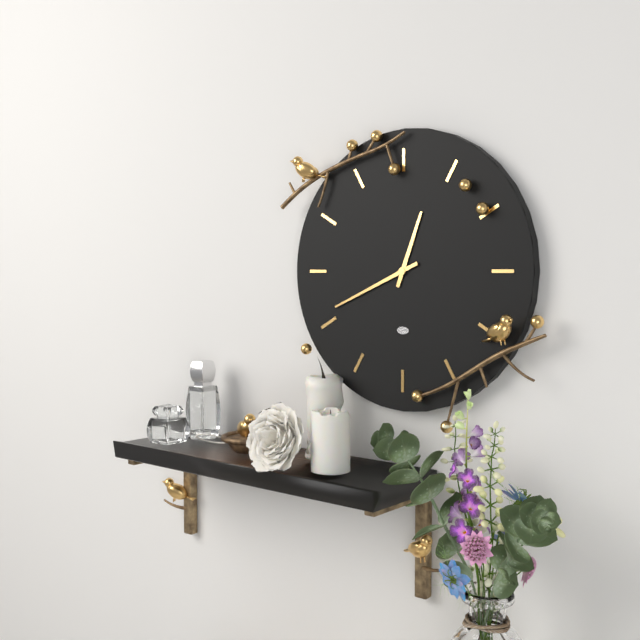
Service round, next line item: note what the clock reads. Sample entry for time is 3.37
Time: 12.41
